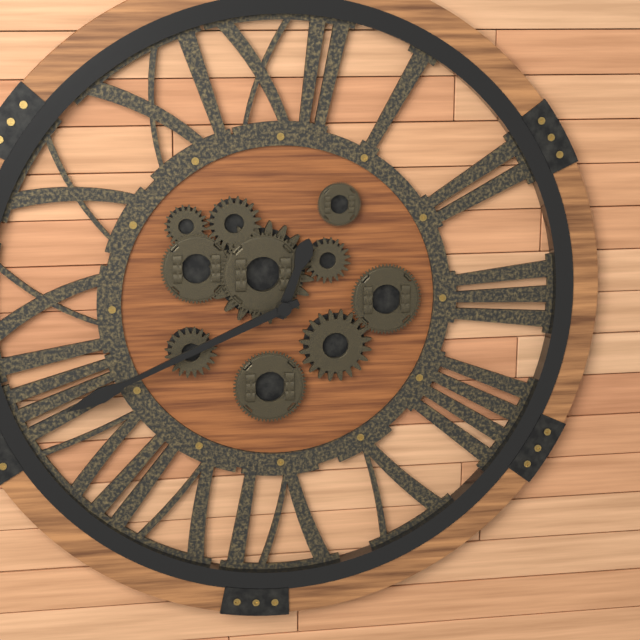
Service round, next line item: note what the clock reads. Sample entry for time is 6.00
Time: 12.41
